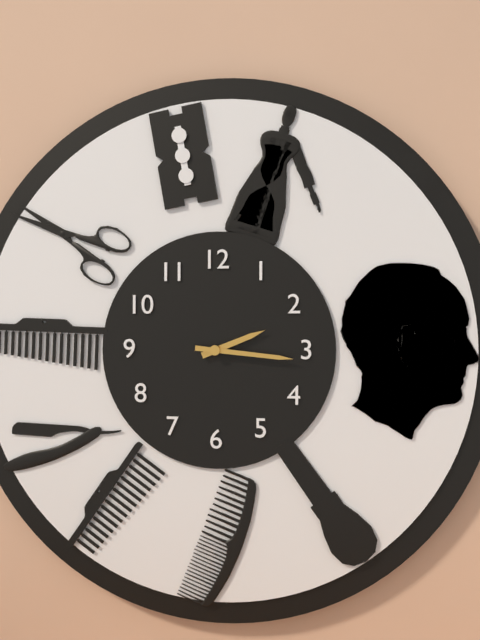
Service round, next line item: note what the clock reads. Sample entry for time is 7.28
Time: 2.16
